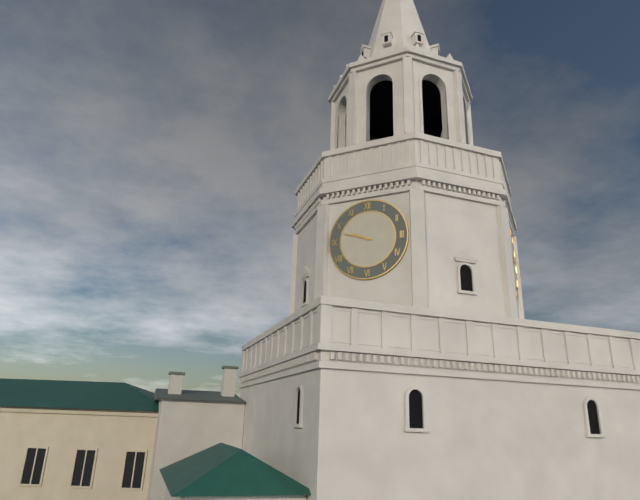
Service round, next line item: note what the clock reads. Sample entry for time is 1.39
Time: 9.48
